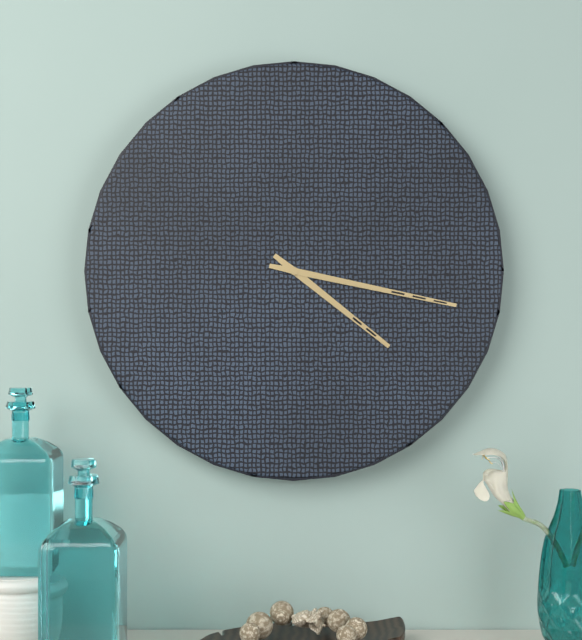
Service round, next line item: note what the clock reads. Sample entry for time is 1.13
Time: 4.17
